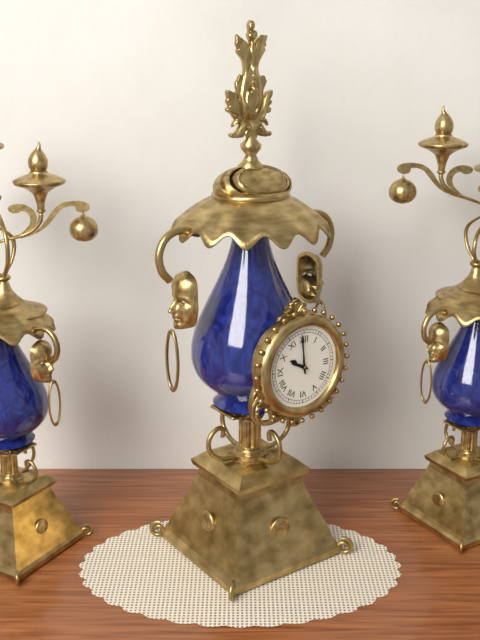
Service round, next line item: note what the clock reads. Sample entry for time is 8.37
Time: 9.59
